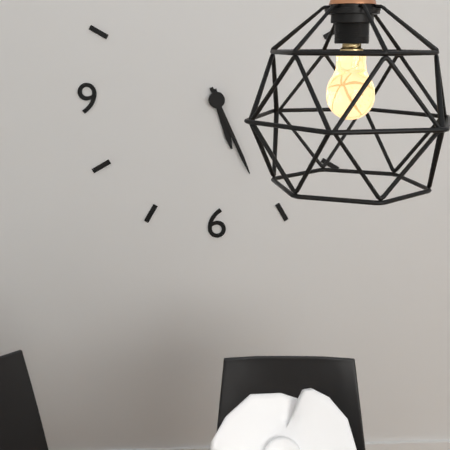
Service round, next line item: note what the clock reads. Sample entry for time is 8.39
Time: 5.26
